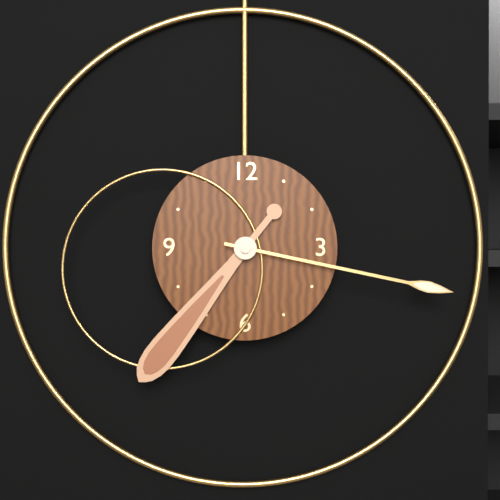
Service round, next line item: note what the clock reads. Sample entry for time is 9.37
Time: 7.17
